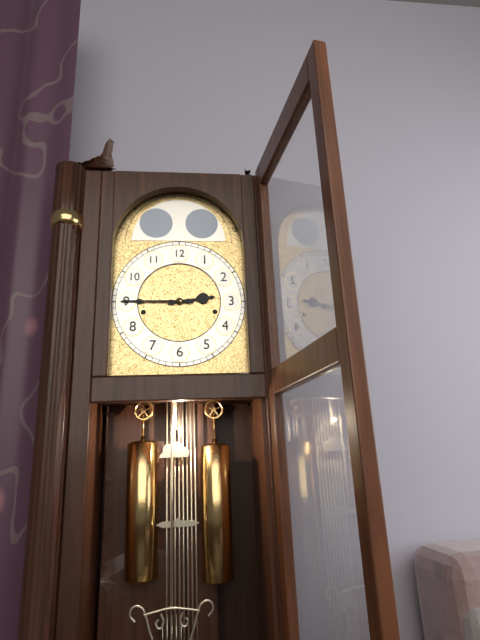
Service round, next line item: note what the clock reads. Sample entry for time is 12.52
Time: 2.45
